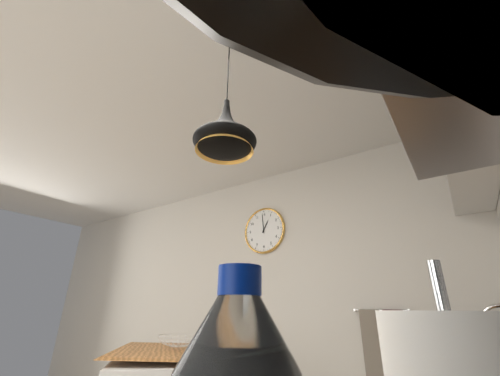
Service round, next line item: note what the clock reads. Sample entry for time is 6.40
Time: 12.59
